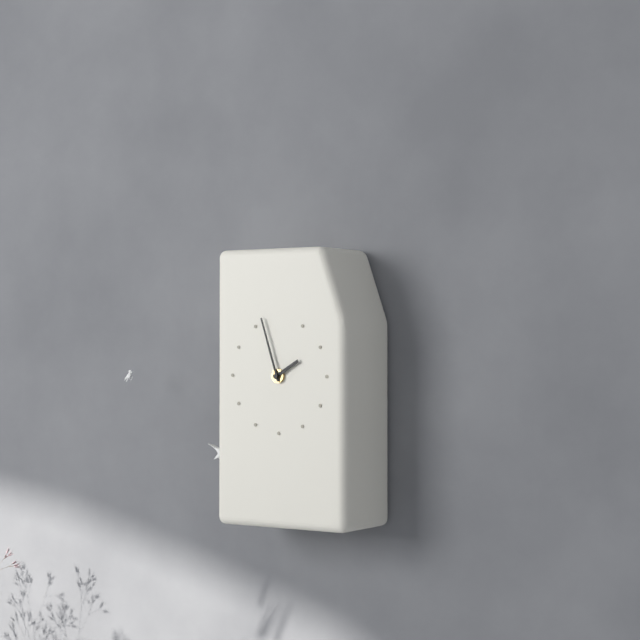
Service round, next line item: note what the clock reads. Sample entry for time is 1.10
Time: 1.57
